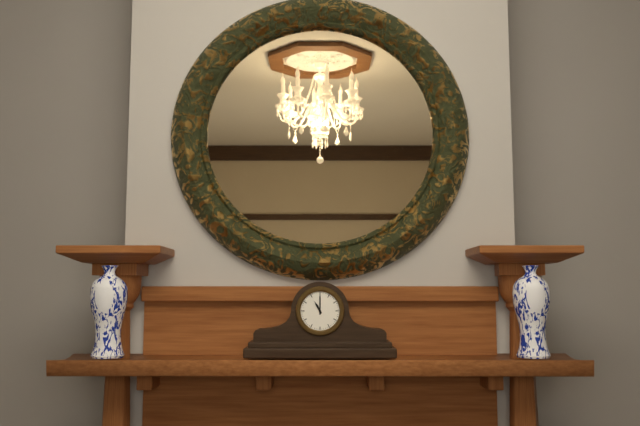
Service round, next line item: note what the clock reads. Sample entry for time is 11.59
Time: 11.00
